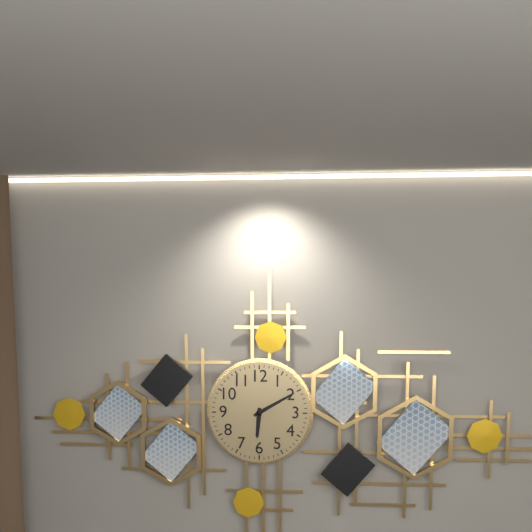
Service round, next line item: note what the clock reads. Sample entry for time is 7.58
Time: 6.10
